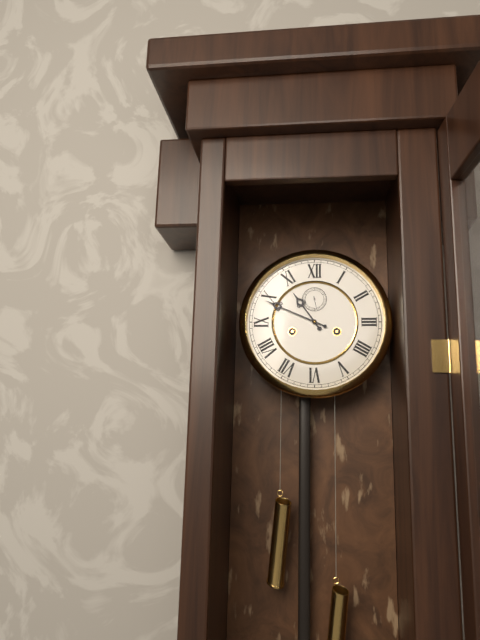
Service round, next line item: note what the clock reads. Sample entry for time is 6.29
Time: 10.49
